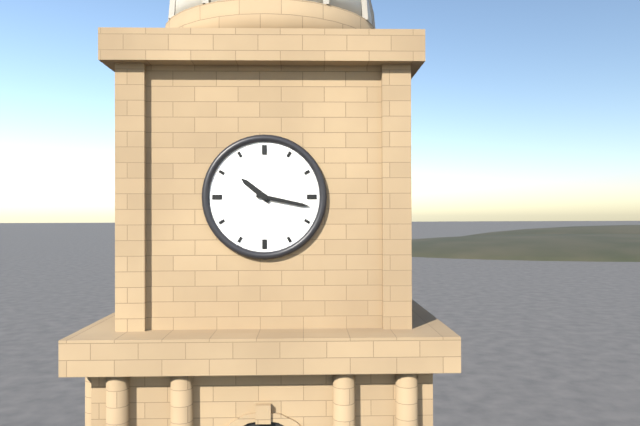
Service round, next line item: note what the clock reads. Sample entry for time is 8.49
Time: 10.17
